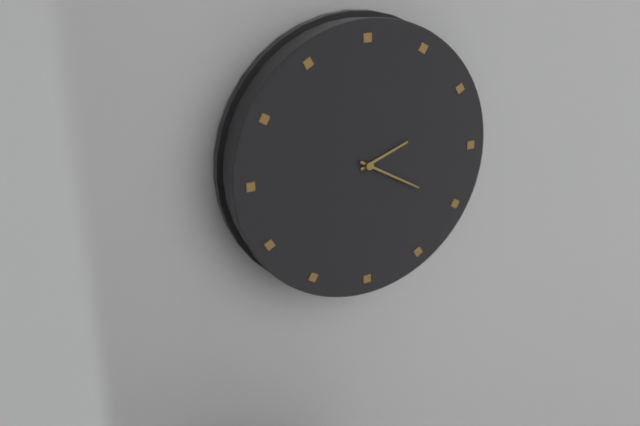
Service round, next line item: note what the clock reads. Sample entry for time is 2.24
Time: 2.20
